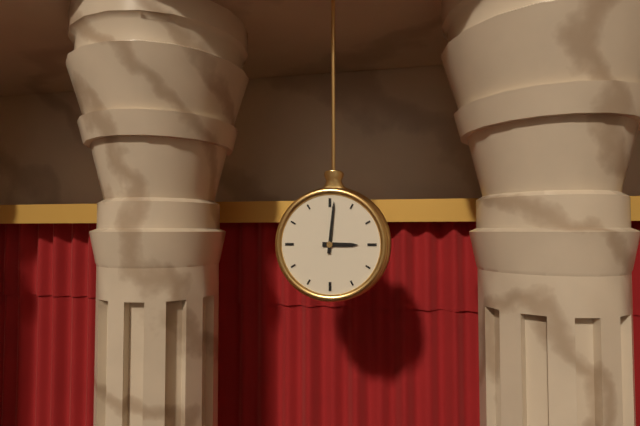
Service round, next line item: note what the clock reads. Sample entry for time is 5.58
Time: 3.01
